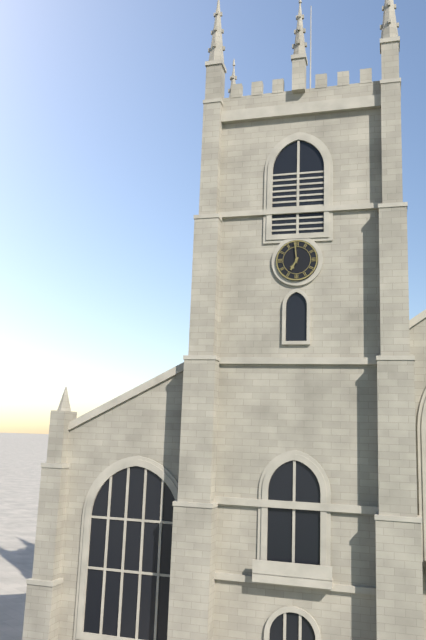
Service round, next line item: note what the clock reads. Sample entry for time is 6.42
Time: 6.59
